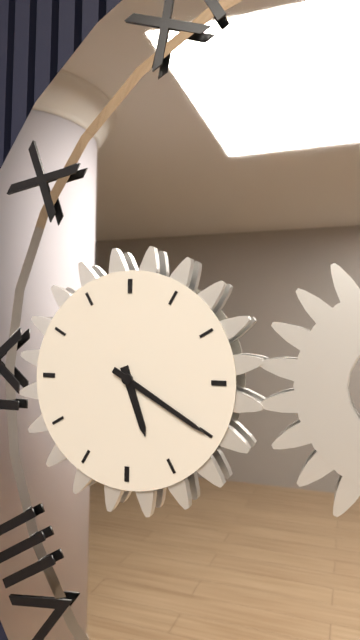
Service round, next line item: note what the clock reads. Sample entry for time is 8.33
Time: 5.20
